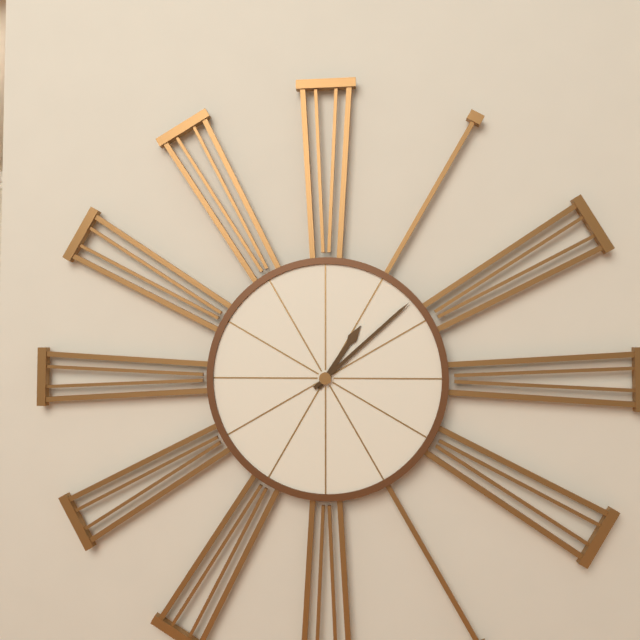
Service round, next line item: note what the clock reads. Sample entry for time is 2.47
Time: 1.08
